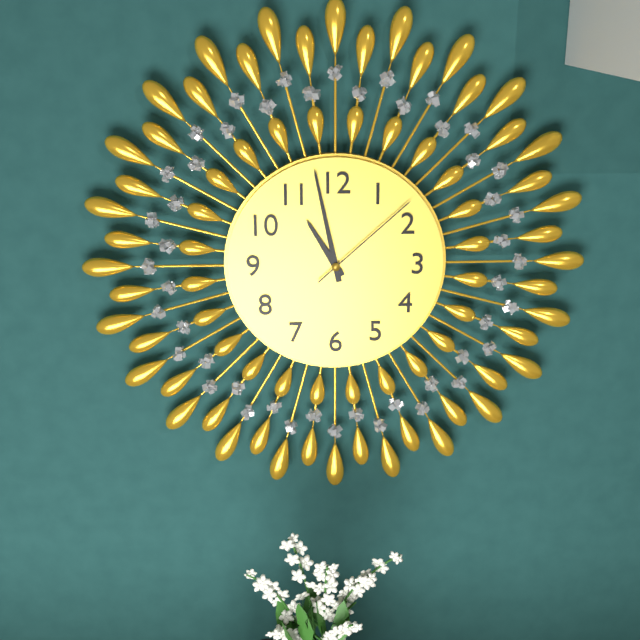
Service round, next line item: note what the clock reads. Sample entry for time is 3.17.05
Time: 10.58.08
